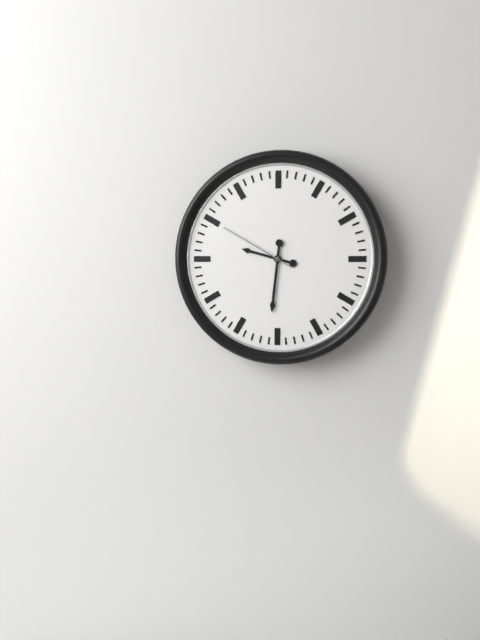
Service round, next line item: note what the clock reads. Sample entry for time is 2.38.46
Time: 9.31.50
